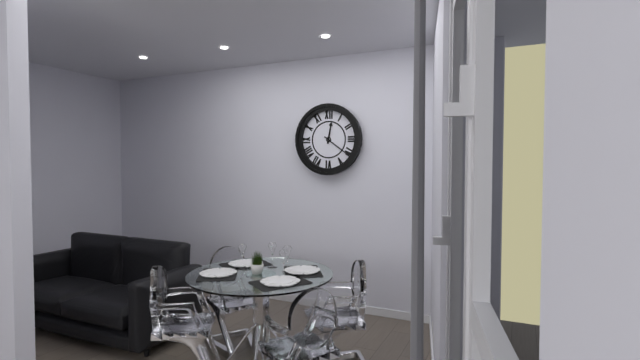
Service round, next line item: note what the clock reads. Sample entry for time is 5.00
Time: 12.21
